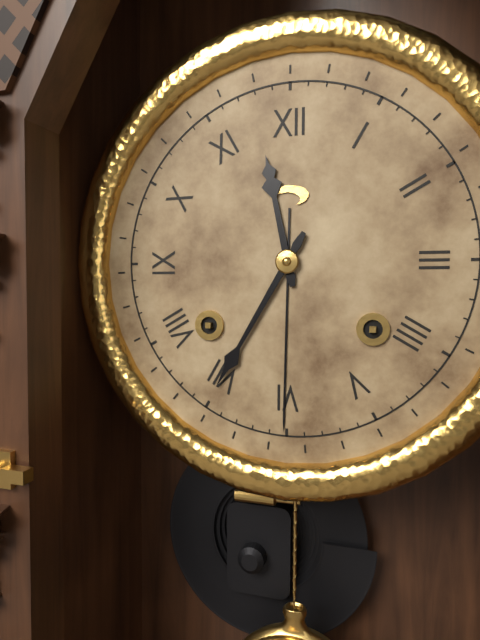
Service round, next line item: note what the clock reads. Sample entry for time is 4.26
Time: 11.35
